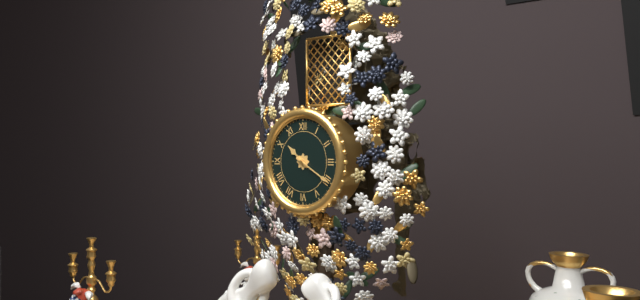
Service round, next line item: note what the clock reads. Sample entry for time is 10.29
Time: 10.20
